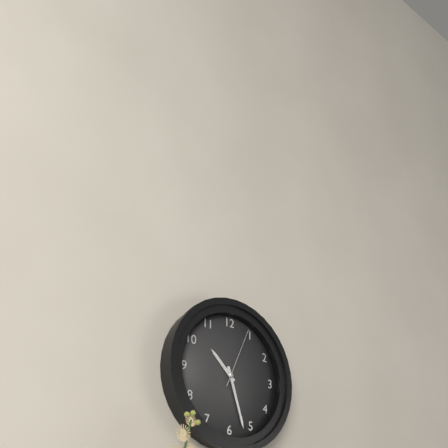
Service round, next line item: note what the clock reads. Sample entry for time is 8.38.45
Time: 10.27.04
